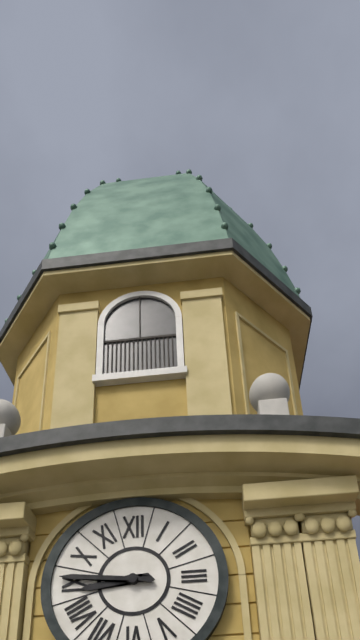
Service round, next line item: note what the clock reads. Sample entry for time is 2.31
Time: 8.46
